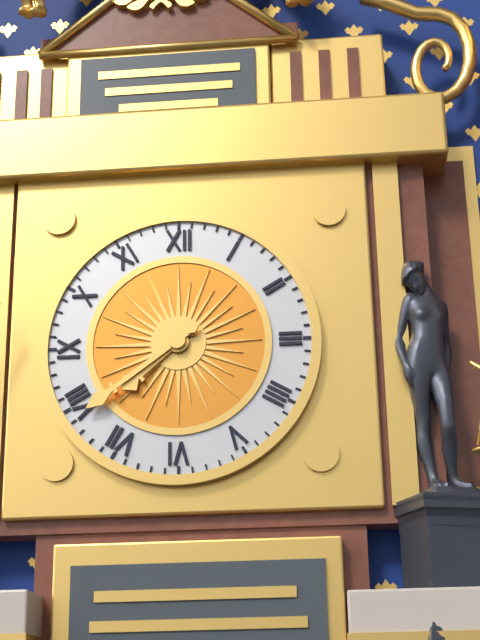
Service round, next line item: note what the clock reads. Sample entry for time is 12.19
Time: 7.39
